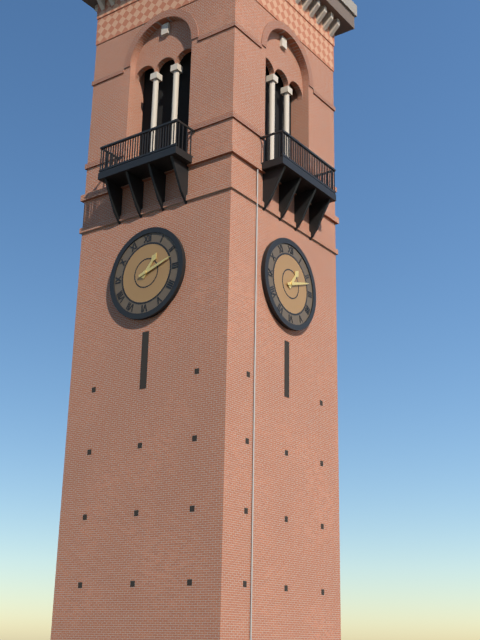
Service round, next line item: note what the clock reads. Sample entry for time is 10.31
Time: 1.12
